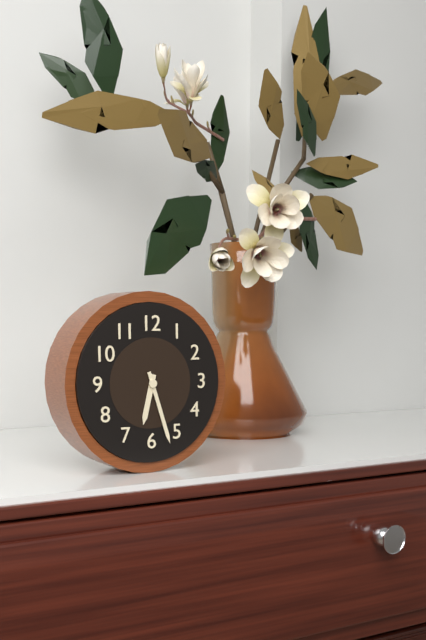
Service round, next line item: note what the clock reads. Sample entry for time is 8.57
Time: 6.27
